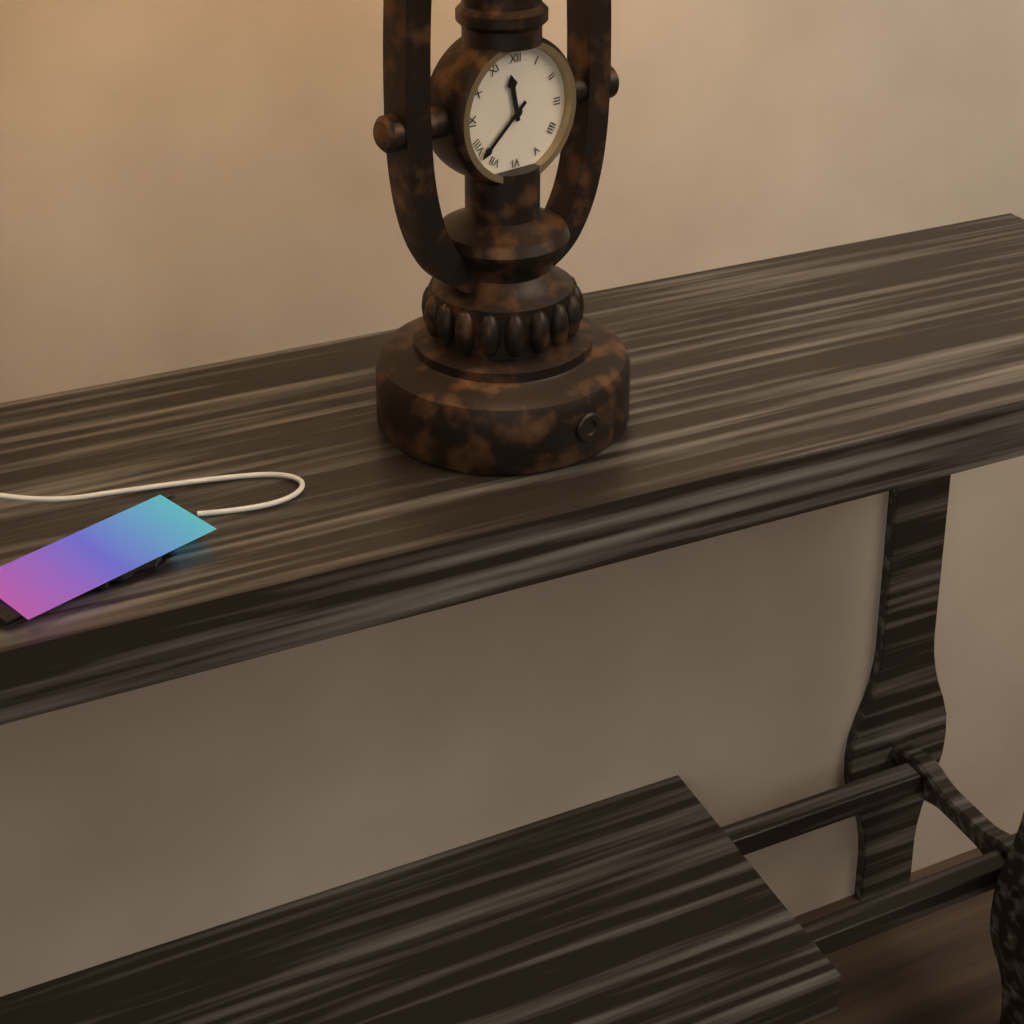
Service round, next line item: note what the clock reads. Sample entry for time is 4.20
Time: 11.38
